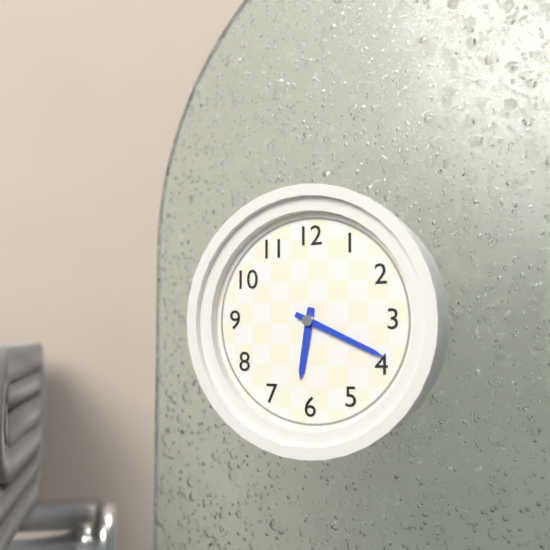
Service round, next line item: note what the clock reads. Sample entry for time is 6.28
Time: 6.19
